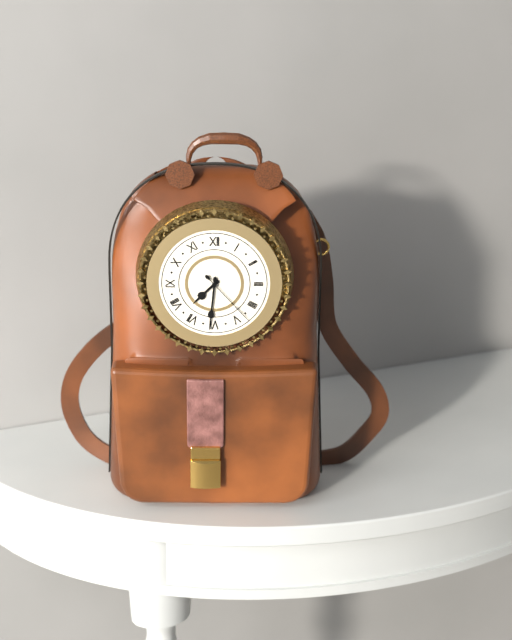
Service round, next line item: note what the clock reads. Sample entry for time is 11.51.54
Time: 7.31.23
